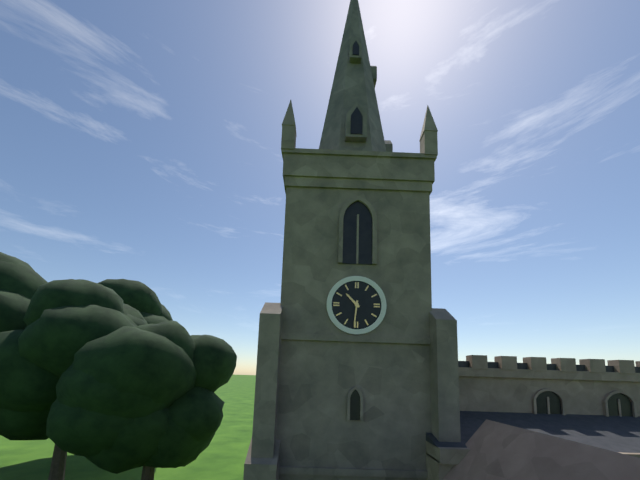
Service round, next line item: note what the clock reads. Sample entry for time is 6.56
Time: 10.31
